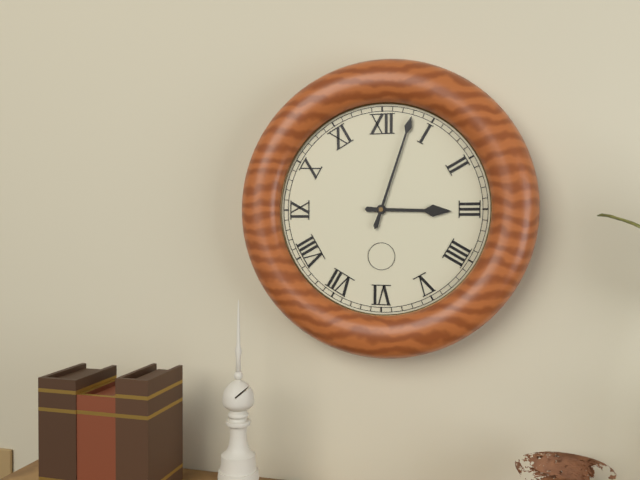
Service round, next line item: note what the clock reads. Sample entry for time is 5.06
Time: 3.03
